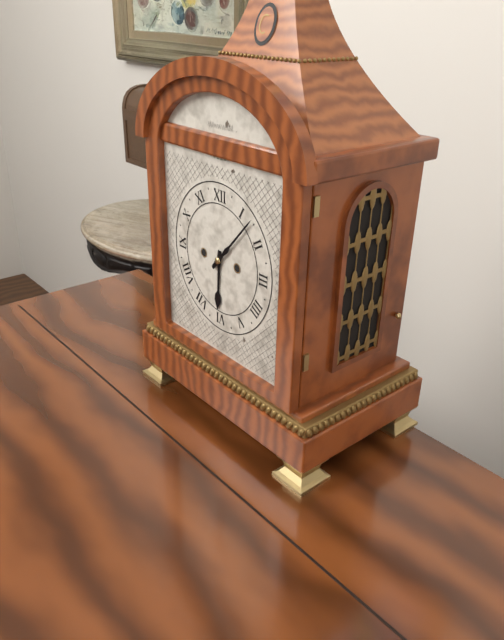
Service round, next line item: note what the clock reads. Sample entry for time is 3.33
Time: 6.07
